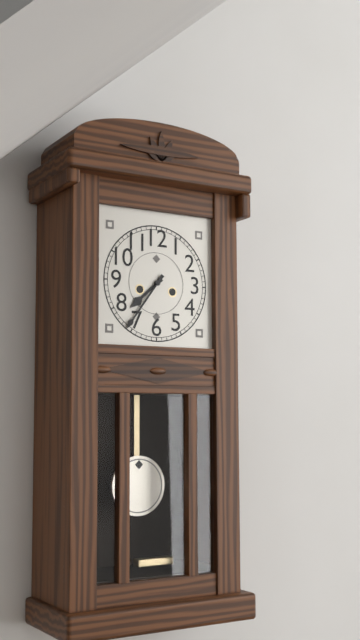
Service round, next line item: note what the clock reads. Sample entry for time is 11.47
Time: 7.36
